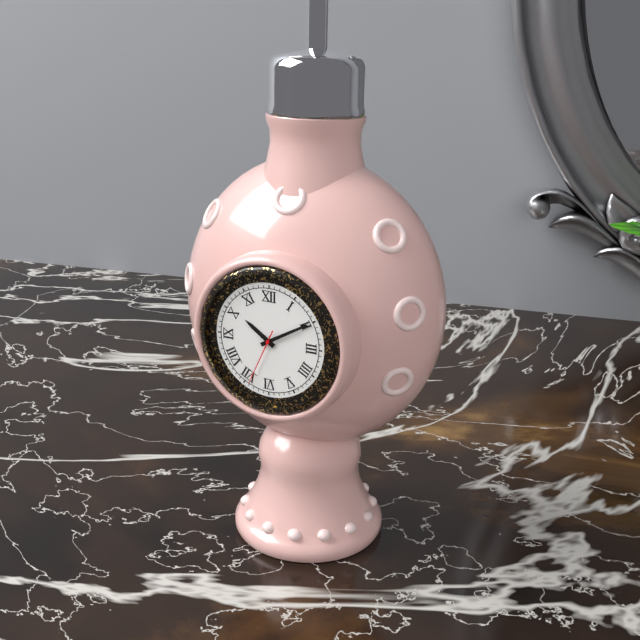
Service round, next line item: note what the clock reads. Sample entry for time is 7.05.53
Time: 10.10.34
